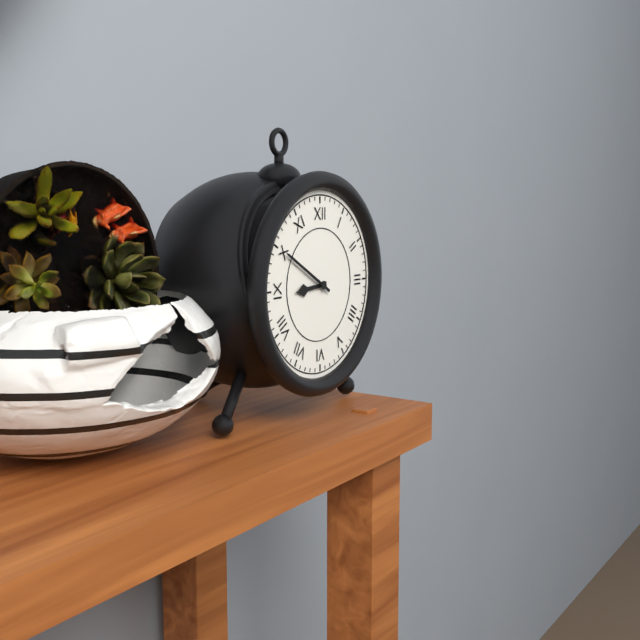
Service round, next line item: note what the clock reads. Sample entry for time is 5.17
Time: 8.50
